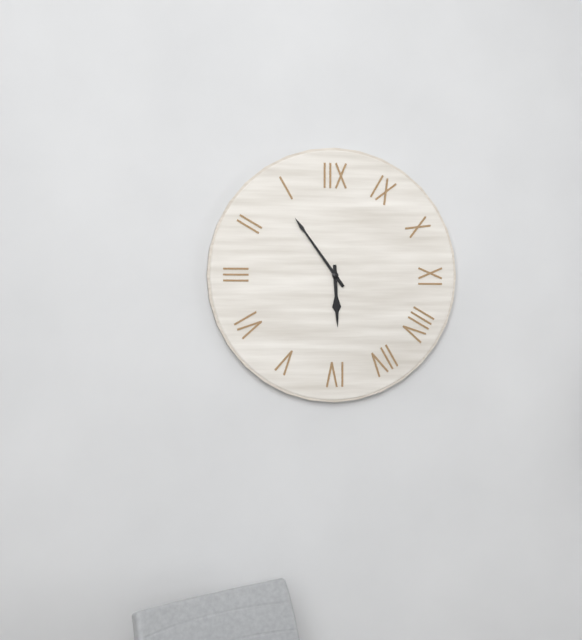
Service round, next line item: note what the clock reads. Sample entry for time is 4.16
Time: 5.54
